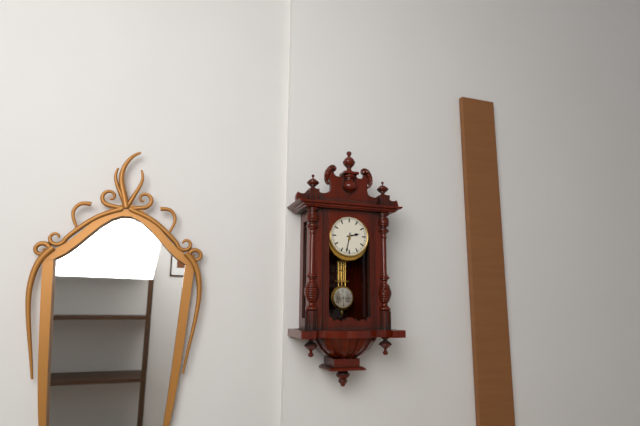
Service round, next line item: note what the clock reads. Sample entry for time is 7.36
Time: 2.32
